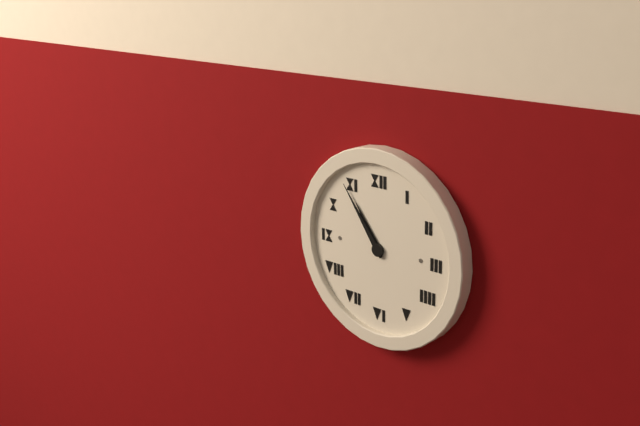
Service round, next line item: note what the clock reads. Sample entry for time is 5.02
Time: 10.54
